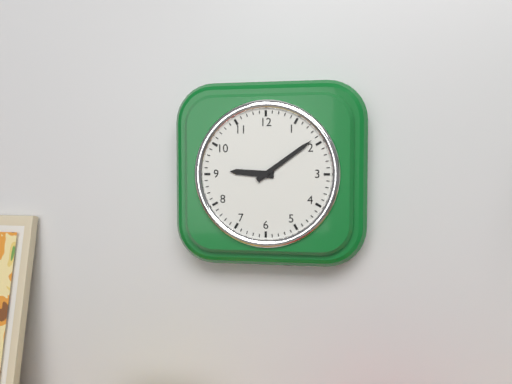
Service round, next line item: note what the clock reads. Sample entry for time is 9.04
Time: 9.09
